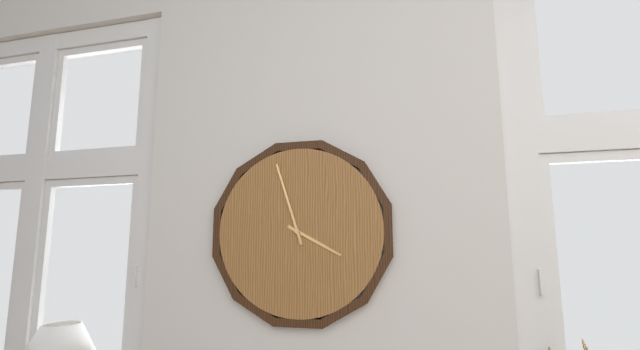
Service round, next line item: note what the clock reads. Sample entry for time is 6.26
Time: 3.57
